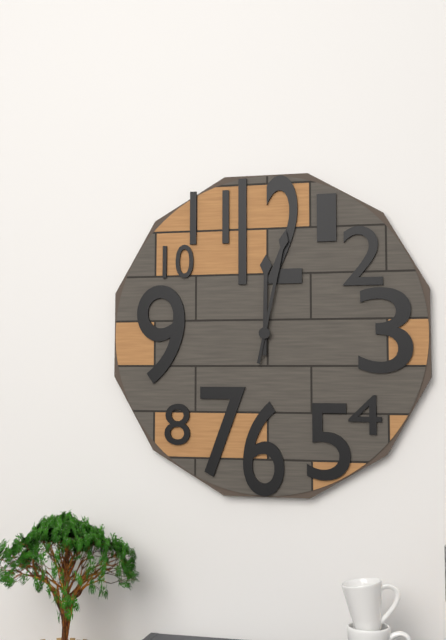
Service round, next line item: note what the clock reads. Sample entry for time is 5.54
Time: 12.02
